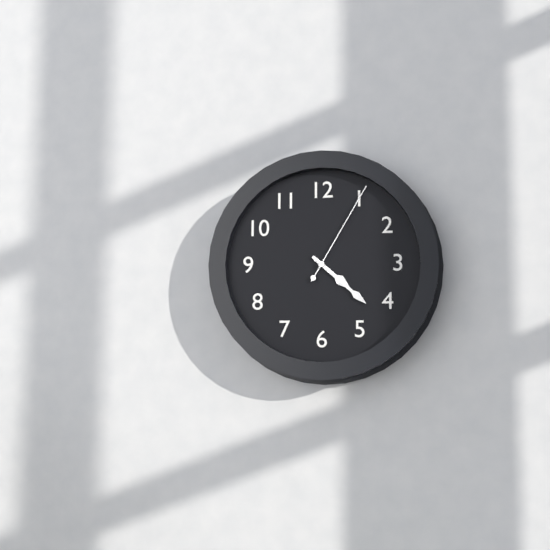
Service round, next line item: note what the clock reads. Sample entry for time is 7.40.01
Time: 4.22.05
